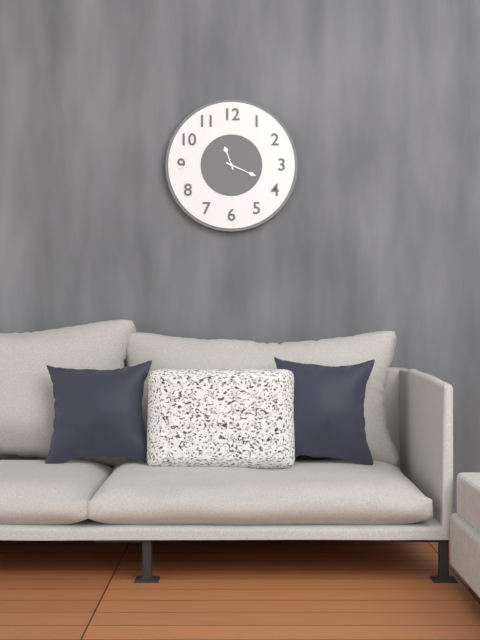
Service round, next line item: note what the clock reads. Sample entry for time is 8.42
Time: 11.19
